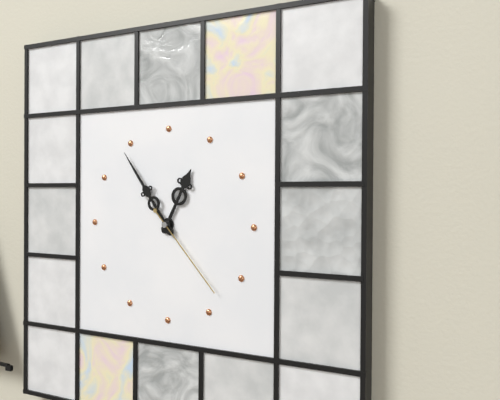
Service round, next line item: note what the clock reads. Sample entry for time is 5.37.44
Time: 12.54.23
